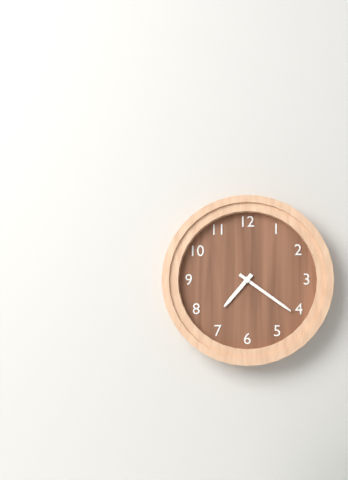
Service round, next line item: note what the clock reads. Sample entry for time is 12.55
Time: 7.21
